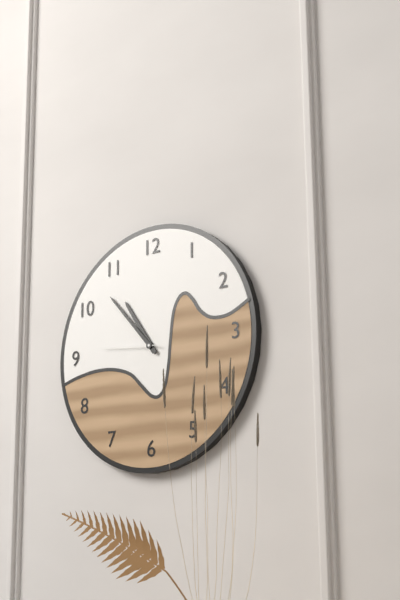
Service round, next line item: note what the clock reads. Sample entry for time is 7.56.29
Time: 10.53.46
